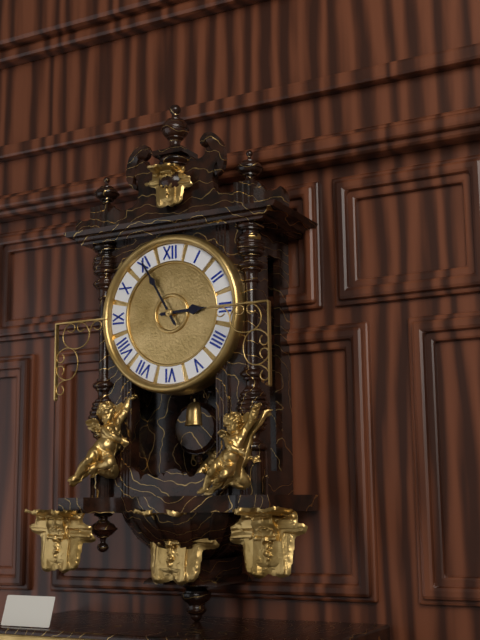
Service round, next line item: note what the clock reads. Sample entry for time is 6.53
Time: 2.55
